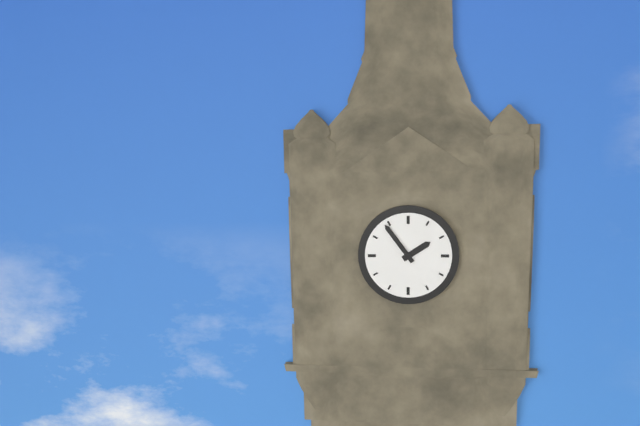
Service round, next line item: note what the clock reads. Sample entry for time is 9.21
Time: 1.54
